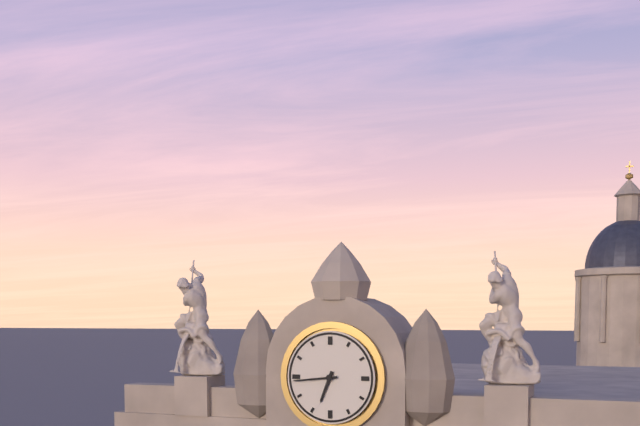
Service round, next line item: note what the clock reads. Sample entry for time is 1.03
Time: 6.44
